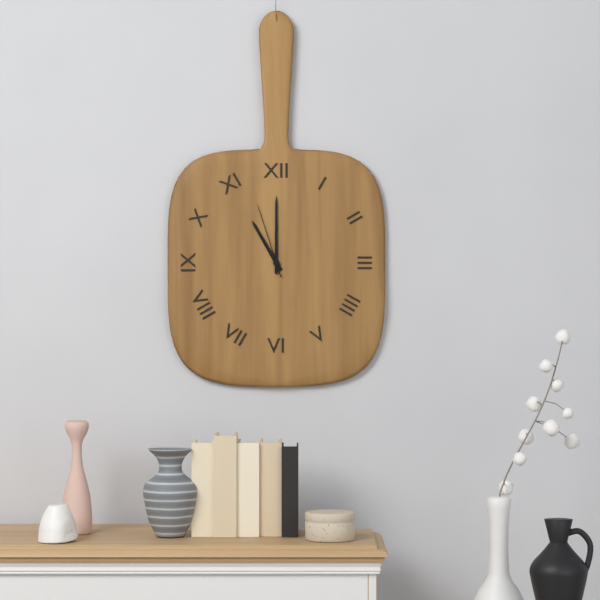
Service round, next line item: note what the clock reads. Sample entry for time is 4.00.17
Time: 11.00.57
